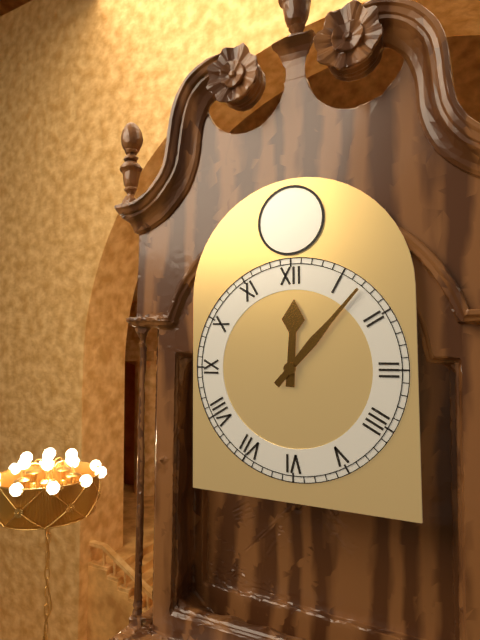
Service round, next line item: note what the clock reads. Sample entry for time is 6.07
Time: 12.07
